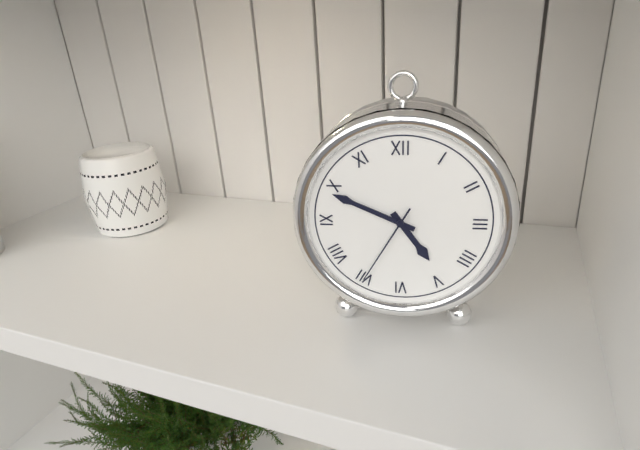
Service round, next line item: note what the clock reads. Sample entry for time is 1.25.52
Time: 4.49.35
